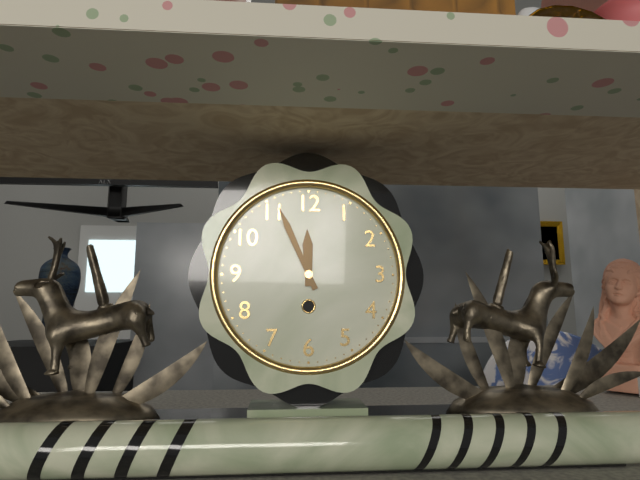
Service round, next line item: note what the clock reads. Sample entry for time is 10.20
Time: 11.56
